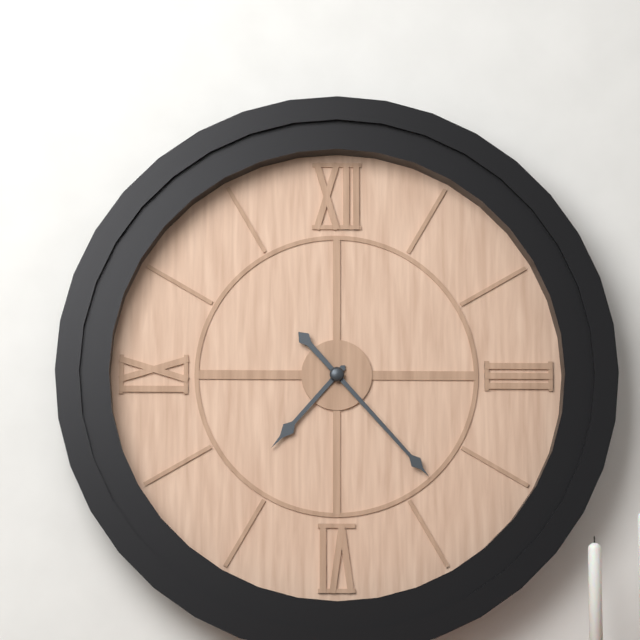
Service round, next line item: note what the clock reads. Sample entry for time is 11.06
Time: 7.23
